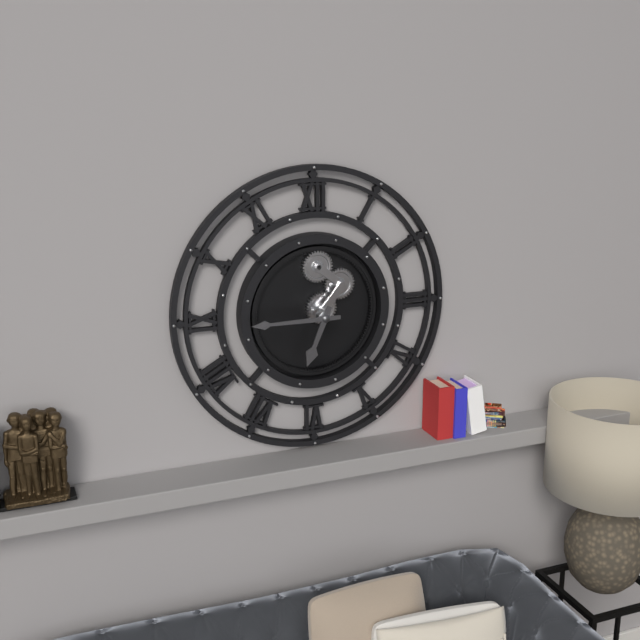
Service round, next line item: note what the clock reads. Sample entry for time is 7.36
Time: 6.45
